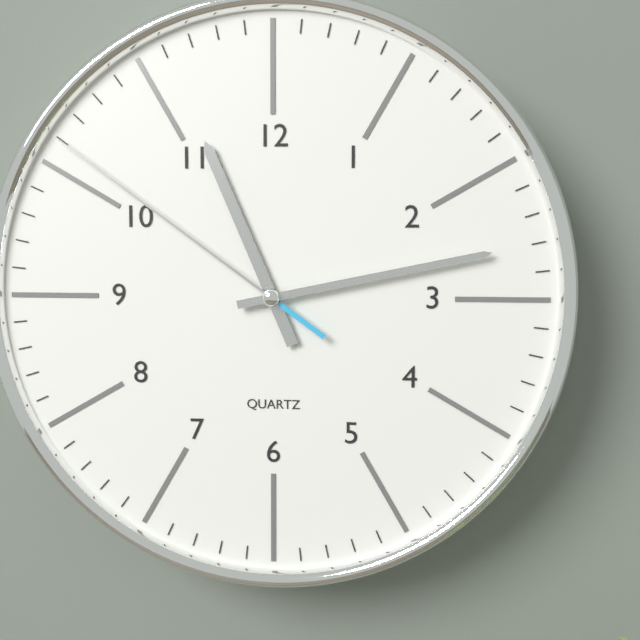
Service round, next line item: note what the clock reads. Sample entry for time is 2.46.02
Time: 11.13.51
